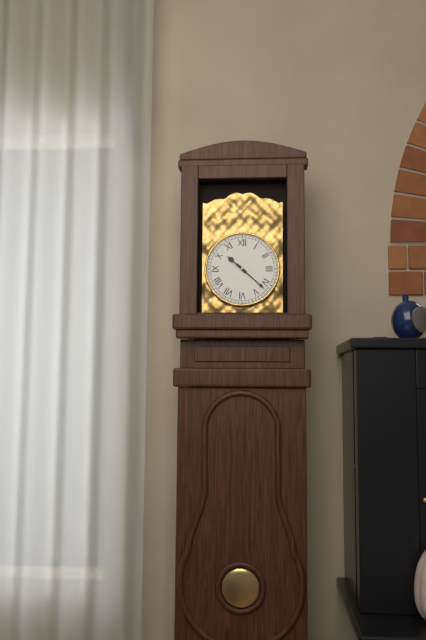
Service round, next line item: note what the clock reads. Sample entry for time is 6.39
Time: 10.22
